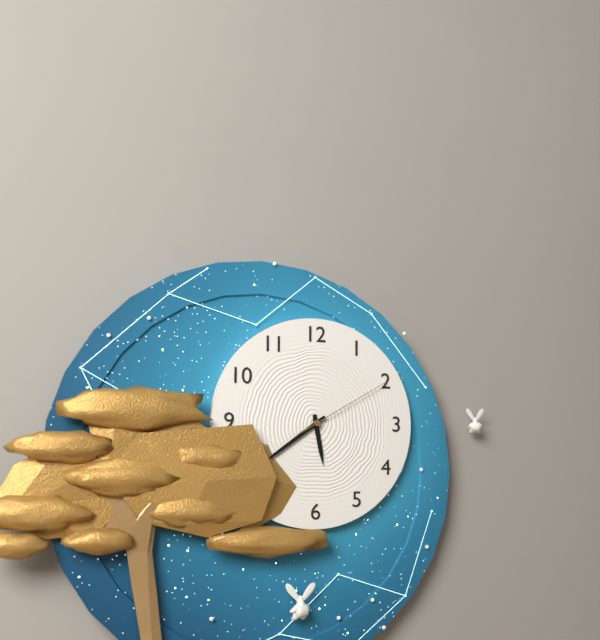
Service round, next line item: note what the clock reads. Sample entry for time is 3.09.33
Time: 5.39.10
